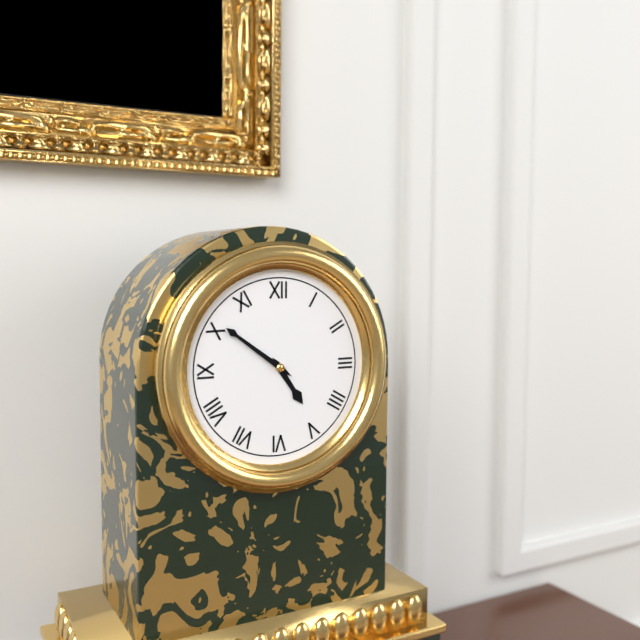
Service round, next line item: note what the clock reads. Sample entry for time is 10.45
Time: 4.51
